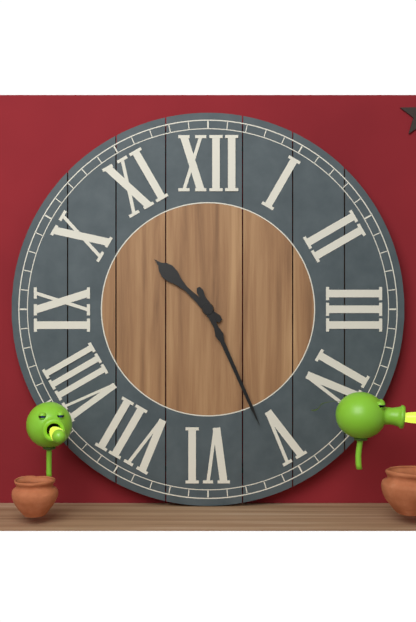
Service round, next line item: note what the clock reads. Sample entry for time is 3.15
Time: 10.26
